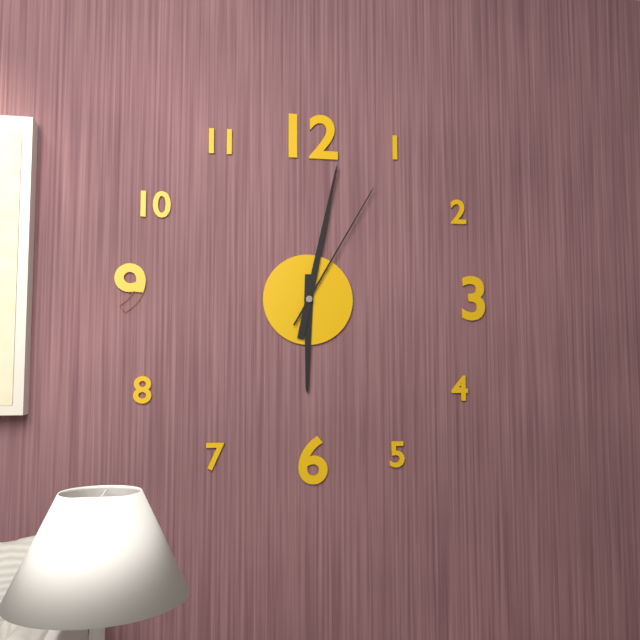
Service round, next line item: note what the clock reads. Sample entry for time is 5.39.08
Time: 6.02.05
